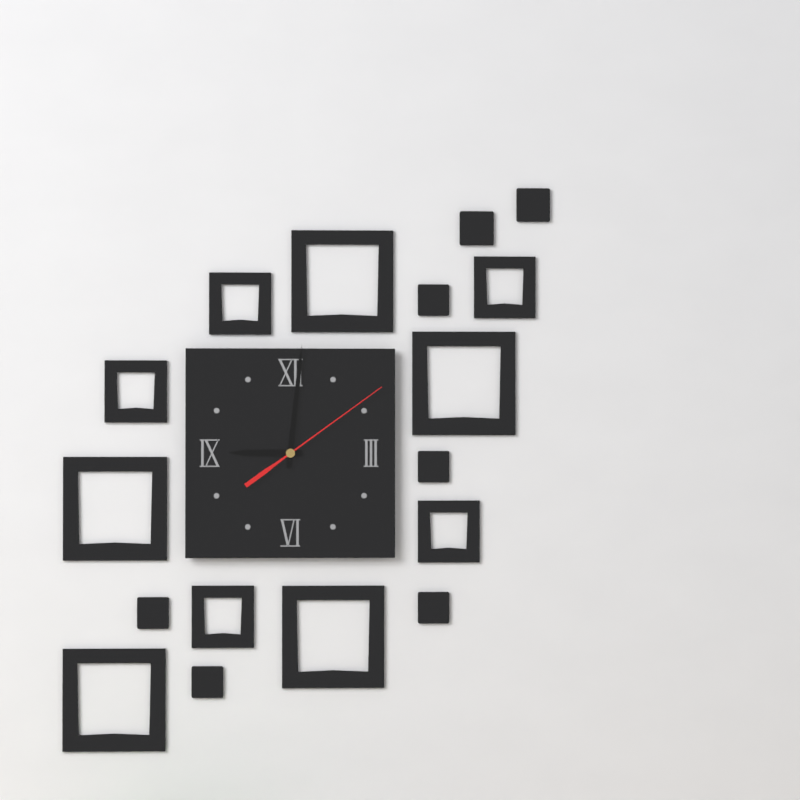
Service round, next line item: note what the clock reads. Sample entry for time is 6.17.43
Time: 9.01.09
